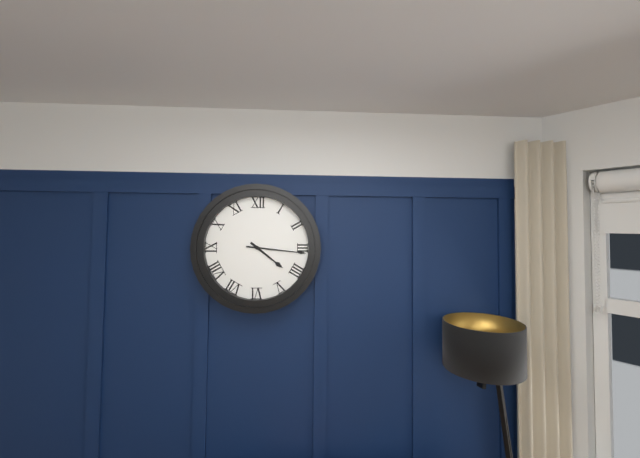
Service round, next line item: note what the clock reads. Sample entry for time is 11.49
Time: 4.16
